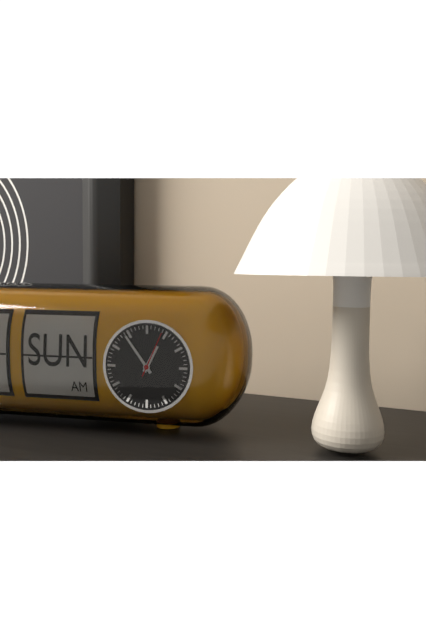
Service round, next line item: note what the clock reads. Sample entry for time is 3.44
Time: 12.54
